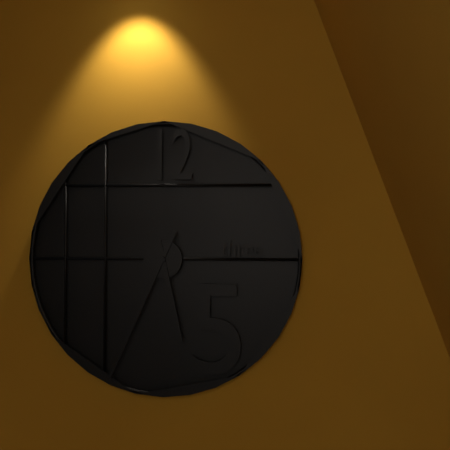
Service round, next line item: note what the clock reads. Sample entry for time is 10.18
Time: 5.34
